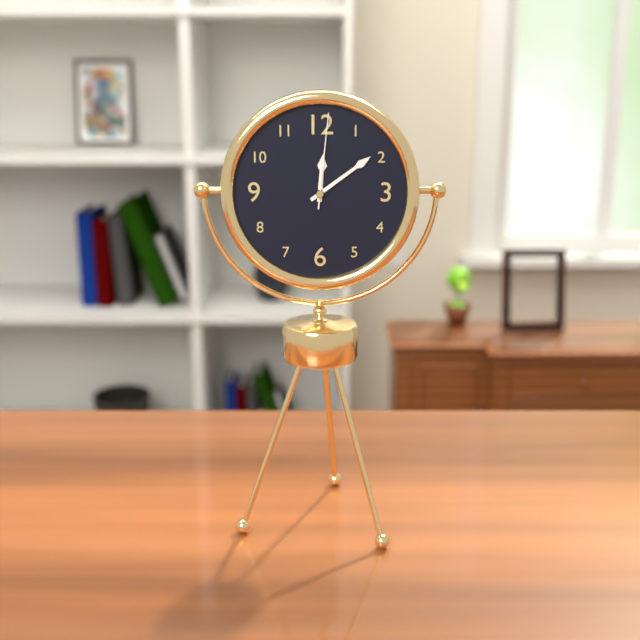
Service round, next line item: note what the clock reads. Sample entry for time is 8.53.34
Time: 12.09.01
